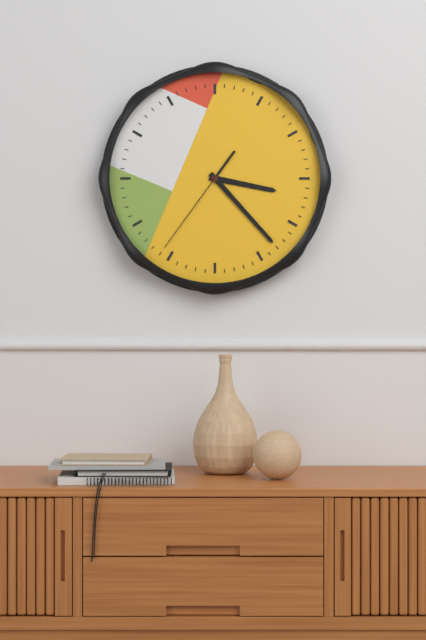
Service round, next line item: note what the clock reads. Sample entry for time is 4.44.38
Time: 3.23.36
